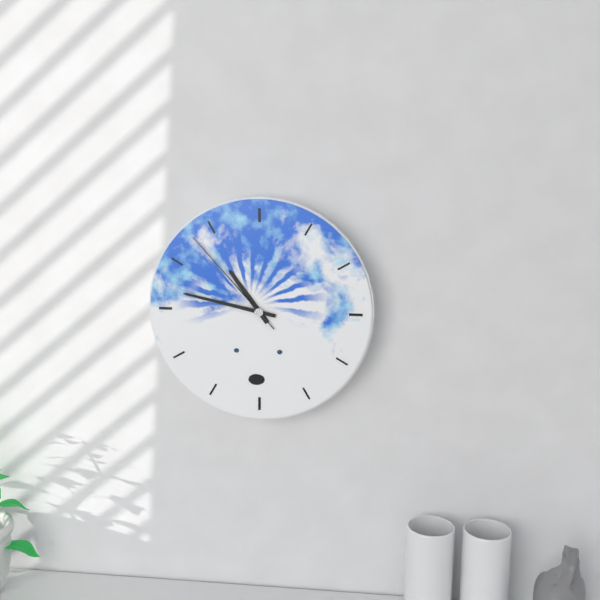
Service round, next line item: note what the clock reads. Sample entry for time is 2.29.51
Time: 10.47.53
